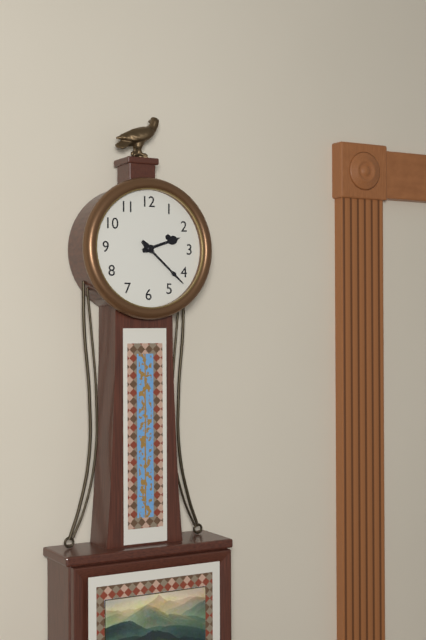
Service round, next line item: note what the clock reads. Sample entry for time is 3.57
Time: 2.22
